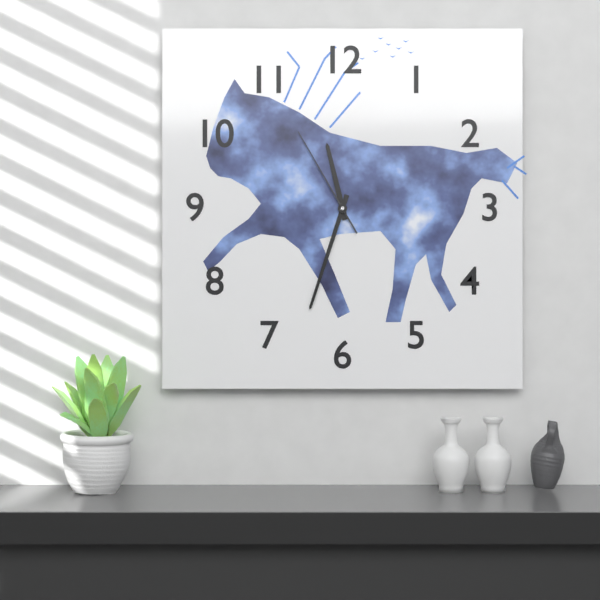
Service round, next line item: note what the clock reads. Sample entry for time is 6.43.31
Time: 11.33.55
